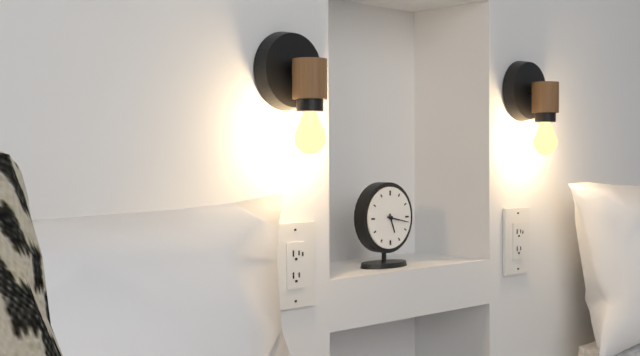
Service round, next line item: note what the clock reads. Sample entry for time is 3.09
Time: 5.17
